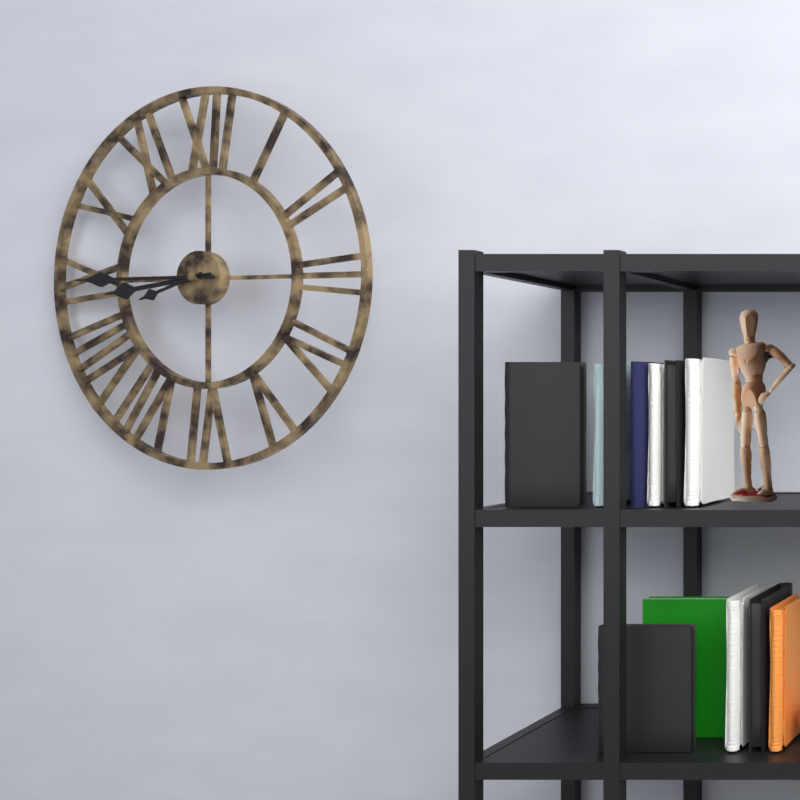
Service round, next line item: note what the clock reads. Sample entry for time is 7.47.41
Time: 8.45.42
